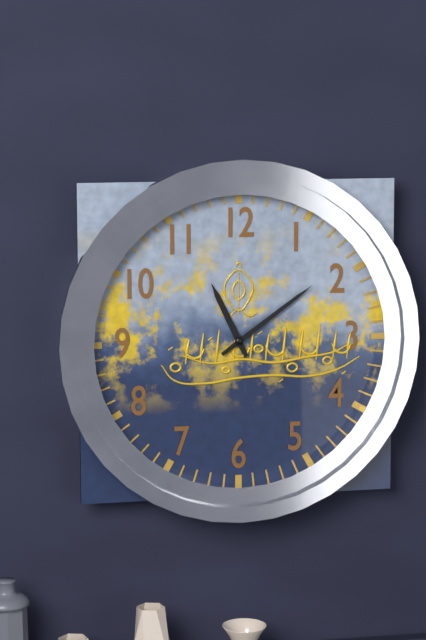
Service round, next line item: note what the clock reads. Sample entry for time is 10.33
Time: 11.09
